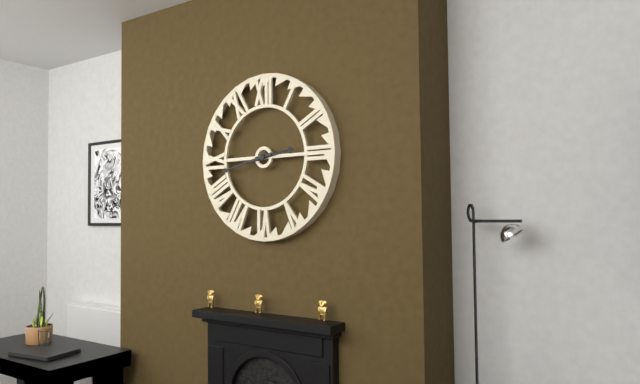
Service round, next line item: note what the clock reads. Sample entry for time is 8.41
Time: 2.43
